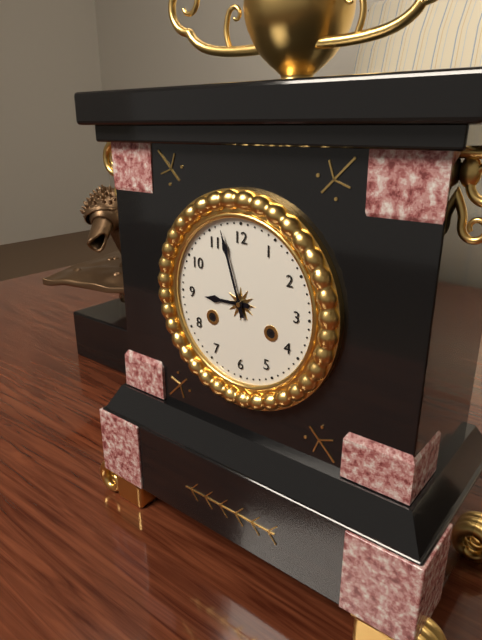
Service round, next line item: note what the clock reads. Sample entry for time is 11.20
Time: 8.57
